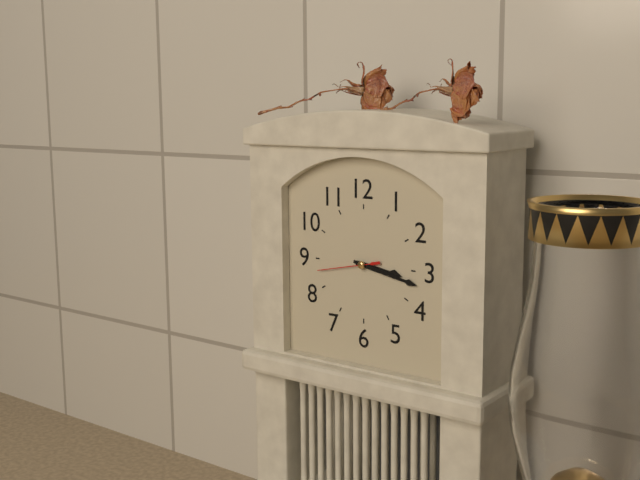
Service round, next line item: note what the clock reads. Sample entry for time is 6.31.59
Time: 3.17.43
